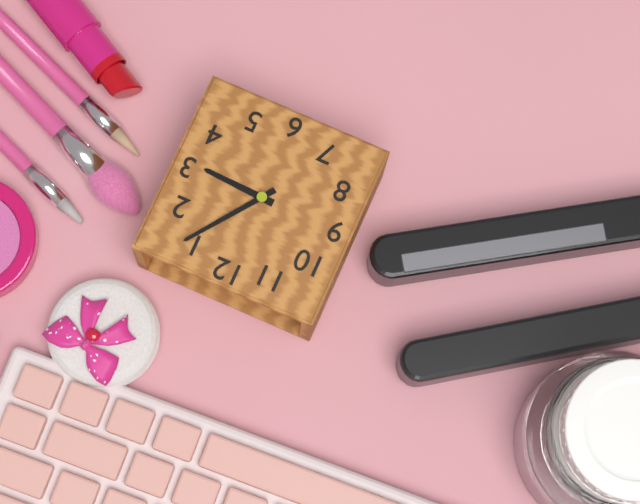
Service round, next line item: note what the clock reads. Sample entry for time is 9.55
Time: 3.06
